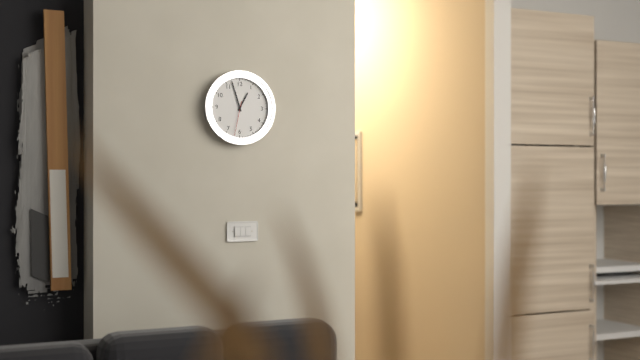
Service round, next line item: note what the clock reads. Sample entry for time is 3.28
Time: 12.57
